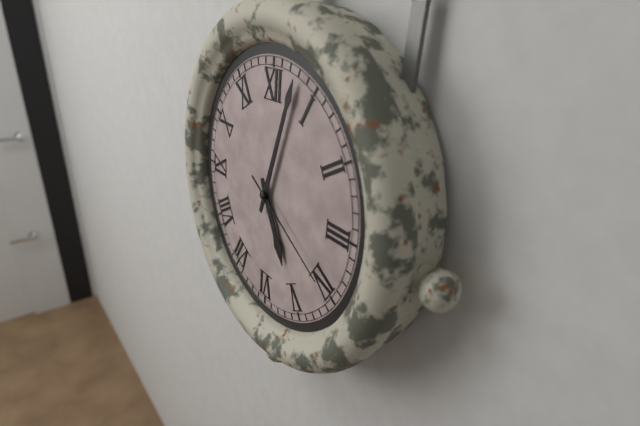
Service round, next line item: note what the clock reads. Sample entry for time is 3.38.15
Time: 5.03.20
